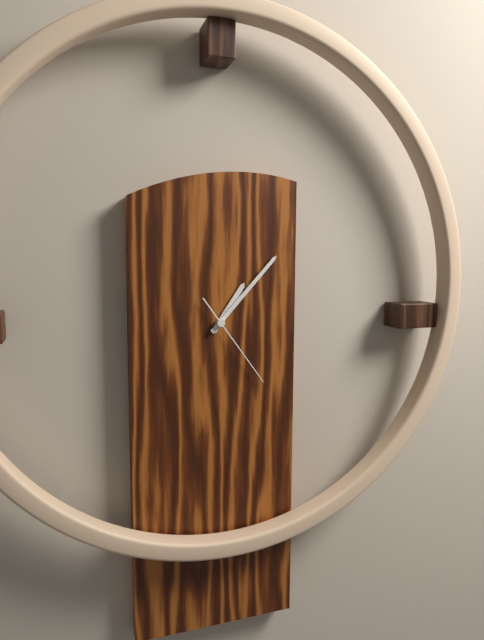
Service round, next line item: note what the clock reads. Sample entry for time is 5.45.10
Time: 1.07.24
